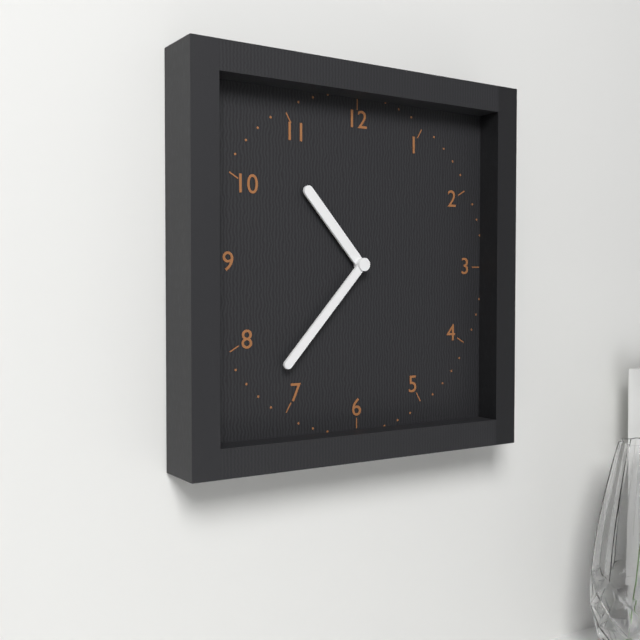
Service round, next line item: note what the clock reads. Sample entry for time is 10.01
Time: 10.37
